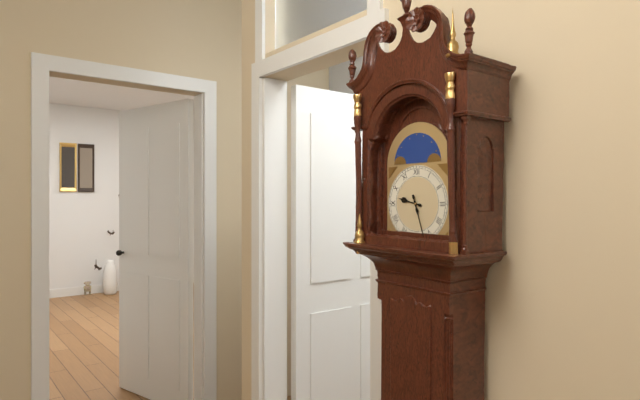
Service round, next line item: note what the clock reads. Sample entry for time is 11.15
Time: 9.27
